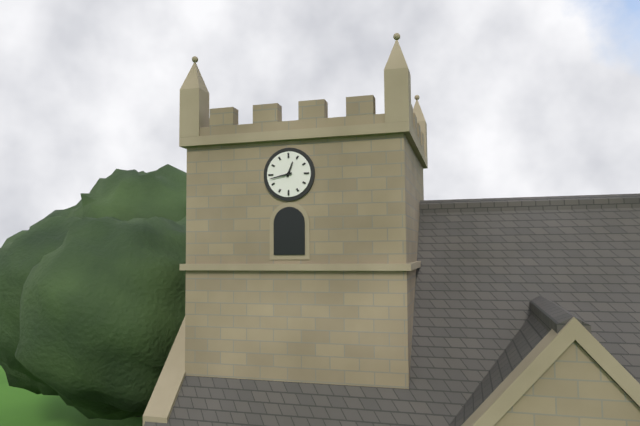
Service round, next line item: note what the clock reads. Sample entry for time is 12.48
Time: 12.43
